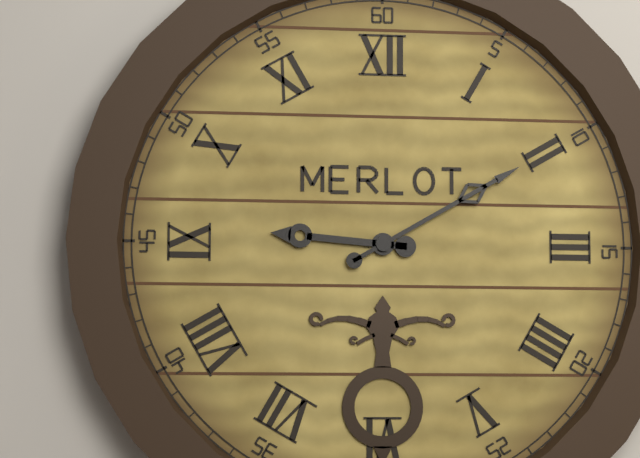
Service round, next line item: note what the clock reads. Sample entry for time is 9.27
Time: 9.10
